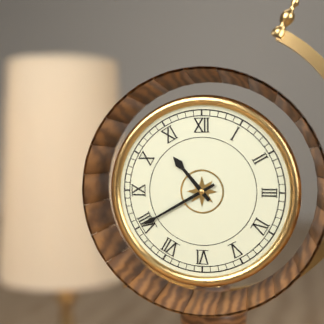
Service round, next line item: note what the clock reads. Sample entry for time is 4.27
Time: 10.40
